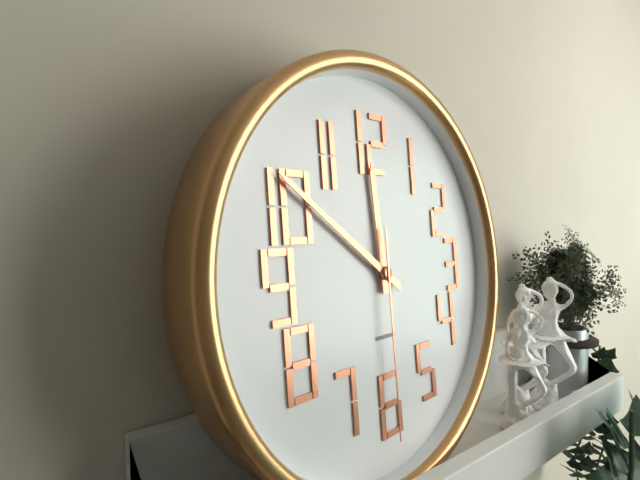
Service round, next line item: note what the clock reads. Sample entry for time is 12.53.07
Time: 11.51.30
